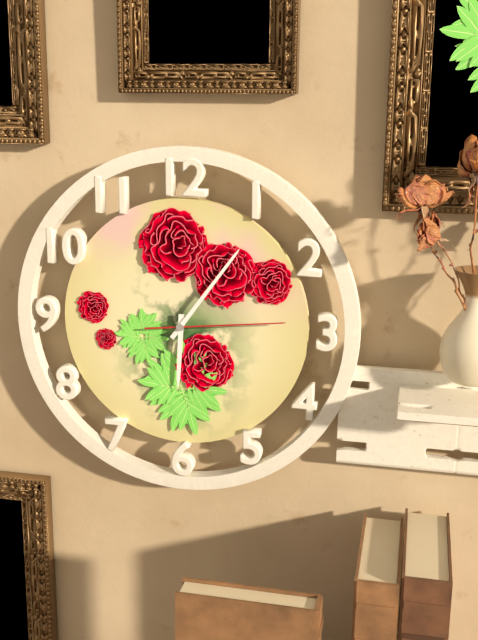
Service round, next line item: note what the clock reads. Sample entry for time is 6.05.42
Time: 6.06.14
